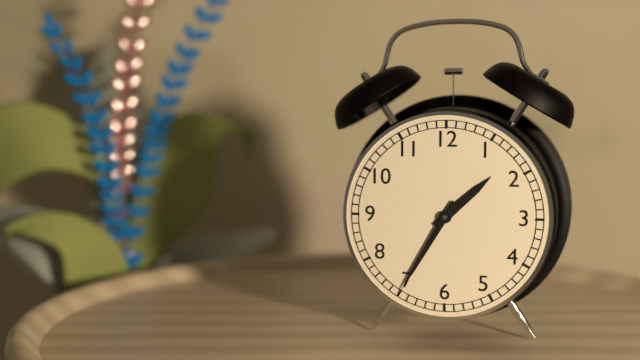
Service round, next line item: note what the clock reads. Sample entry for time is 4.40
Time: 1.35
